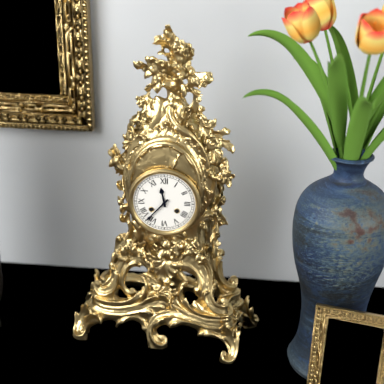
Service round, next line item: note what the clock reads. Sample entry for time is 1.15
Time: 11.37
